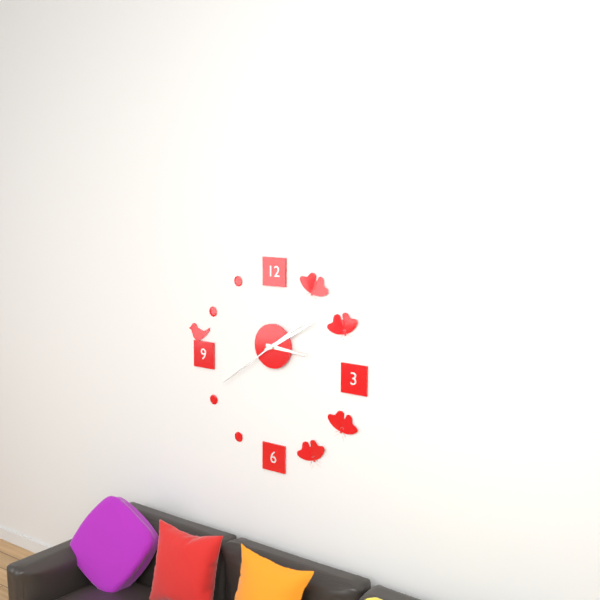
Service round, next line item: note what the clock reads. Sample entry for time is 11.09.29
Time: 3.10.39
